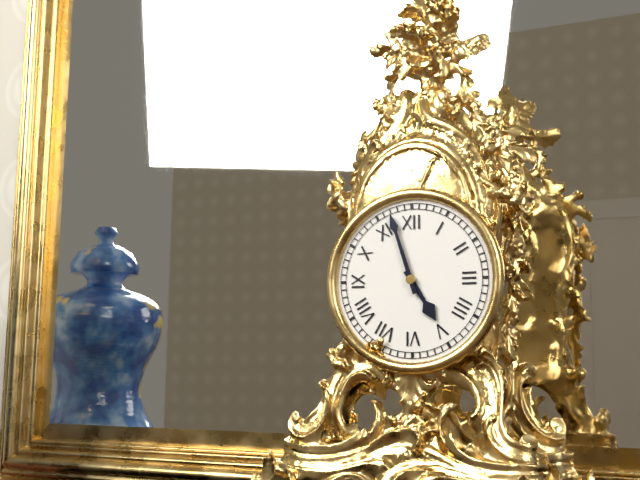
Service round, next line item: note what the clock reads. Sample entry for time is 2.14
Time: 4.57
